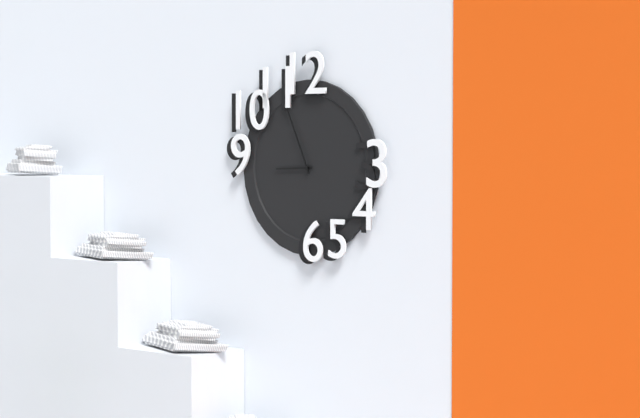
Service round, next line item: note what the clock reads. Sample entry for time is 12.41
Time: 8.56
